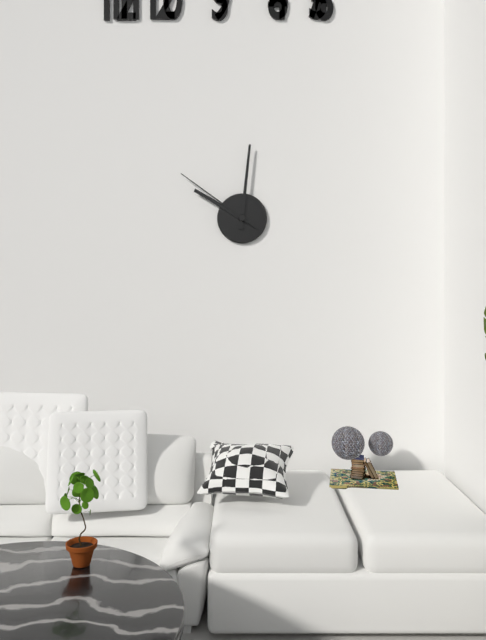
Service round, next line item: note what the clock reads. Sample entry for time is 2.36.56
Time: 10.01.51
